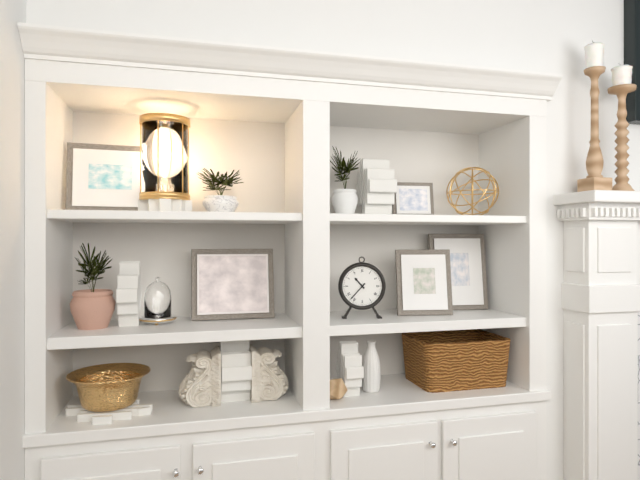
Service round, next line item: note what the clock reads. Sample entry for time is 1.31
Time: 10.37
